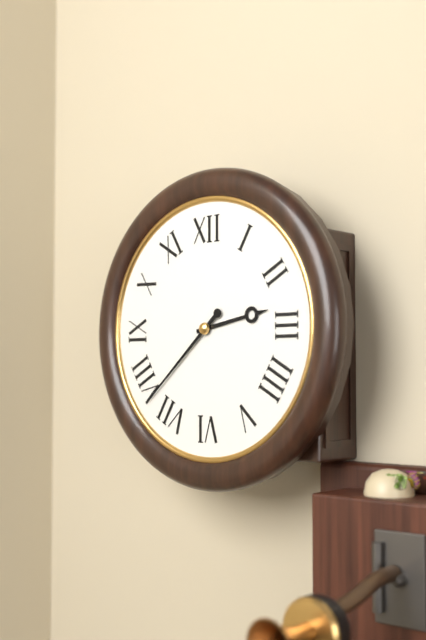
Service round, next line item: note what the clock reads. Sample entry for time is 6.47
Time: 2.38
